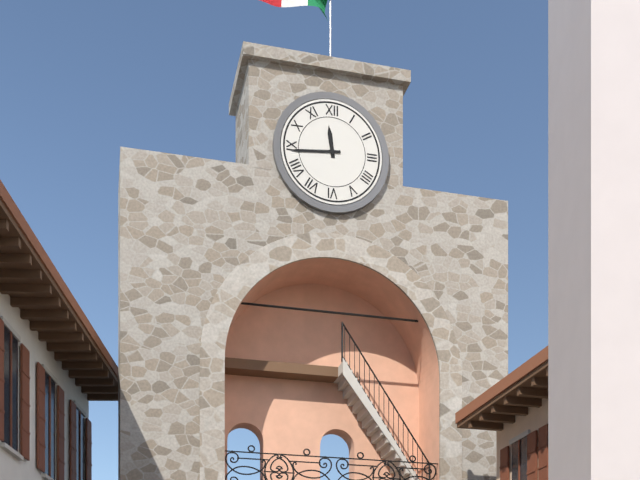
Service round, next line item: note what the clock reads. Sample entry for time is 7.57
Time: 11.44
